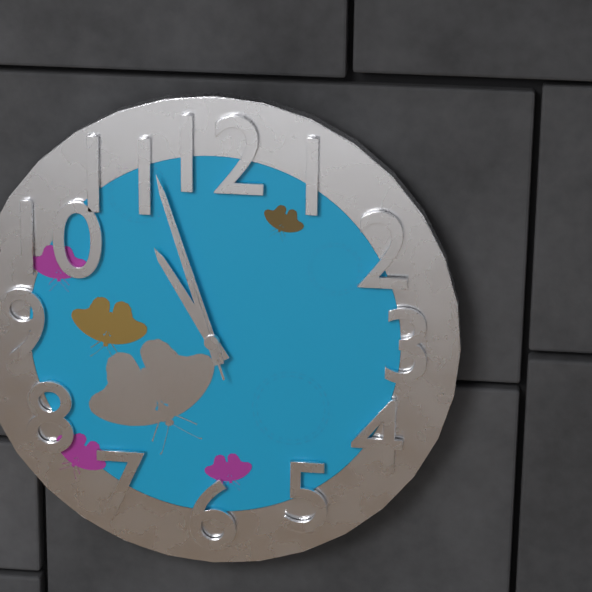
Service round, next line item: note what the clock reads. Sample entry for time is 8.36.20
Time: 10.57.57
